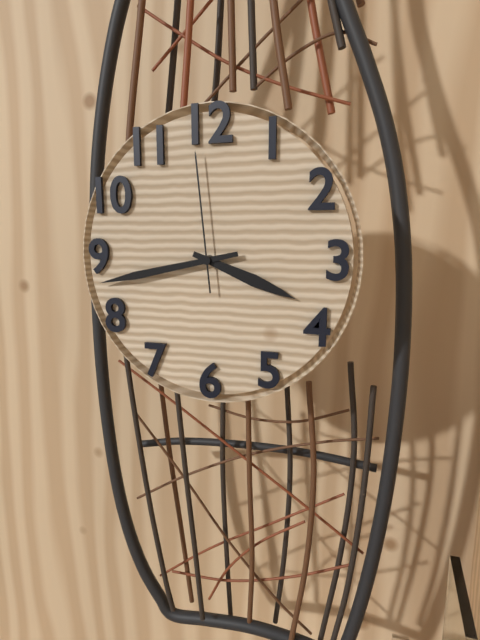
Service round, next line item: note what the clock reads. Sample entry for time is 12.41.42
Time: 3.43.59
